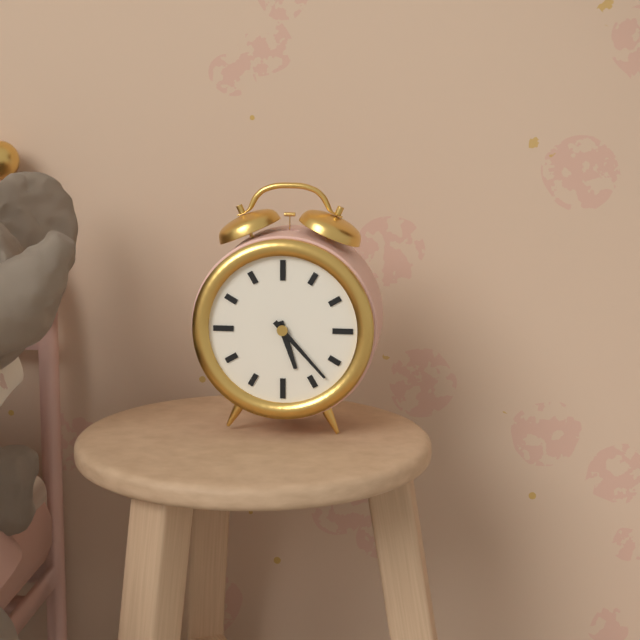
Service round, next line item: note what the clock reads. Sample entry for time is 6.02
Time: 5.23
